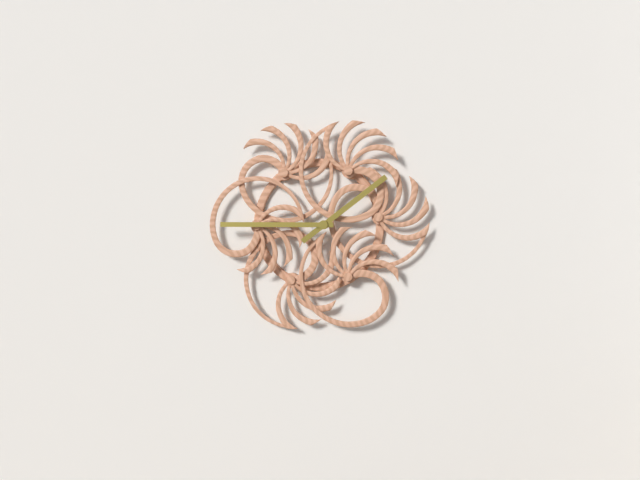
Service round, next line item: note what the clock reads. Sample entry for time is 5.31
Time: 1.45
